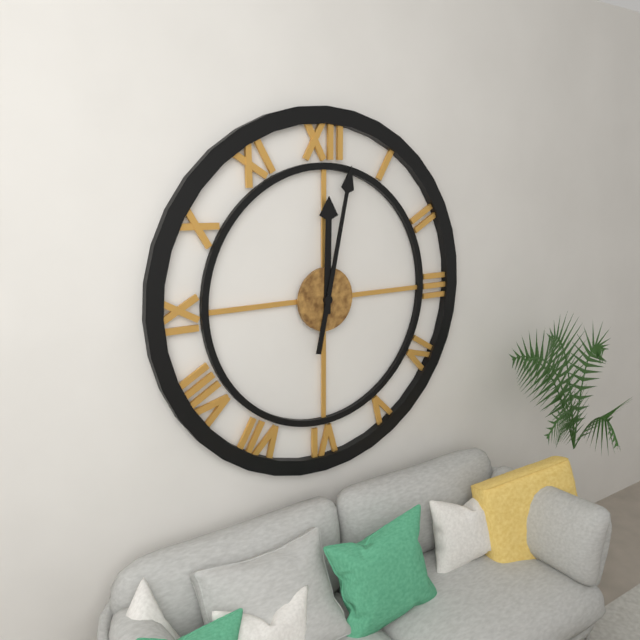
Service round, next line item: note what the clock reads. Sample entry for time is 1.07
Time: 12.02
